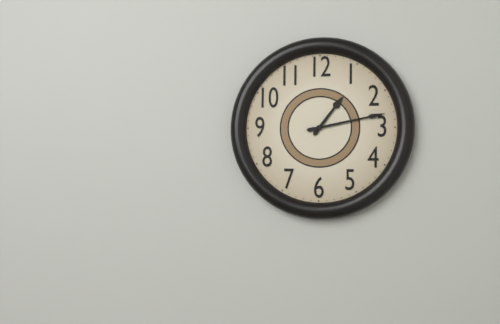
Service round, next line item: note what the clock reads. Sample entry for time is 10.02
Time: 1.13
